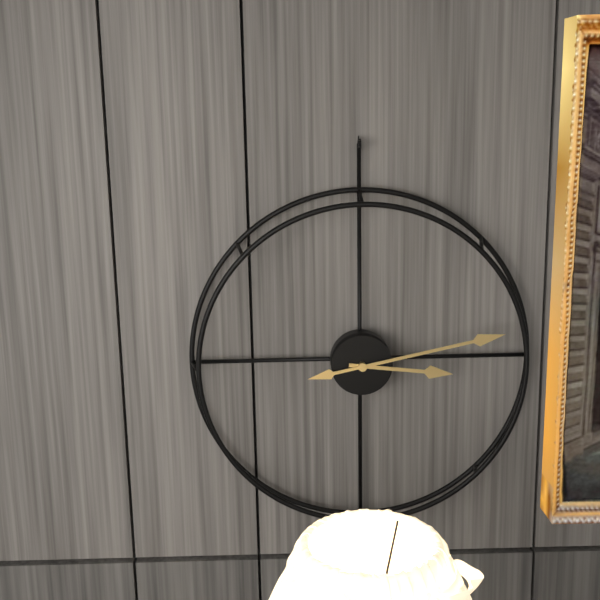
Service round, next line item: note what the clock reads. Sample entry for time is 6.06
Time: 3.13
